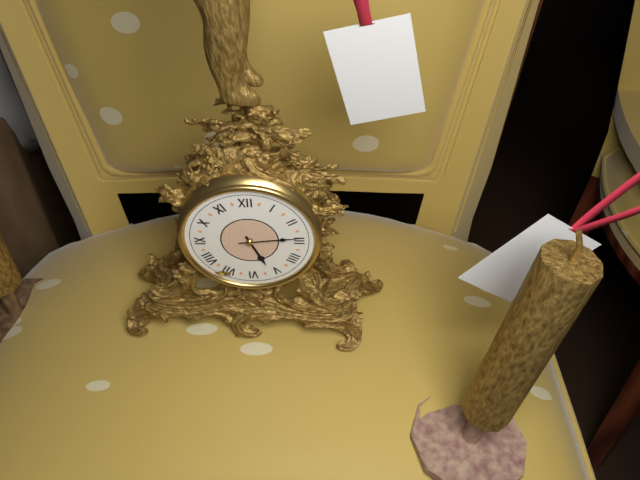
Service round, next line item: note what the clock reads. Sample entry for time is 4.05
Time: 5.14
